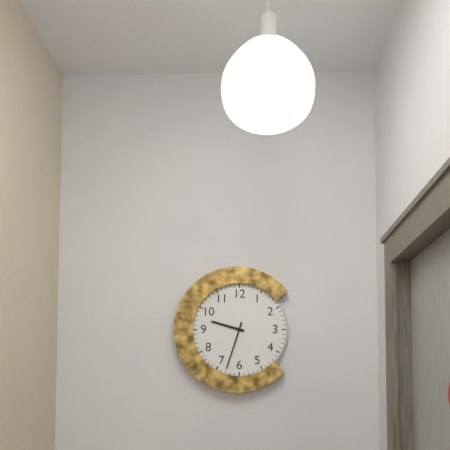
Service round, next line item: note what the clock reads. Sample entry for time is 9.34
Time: 9.33
